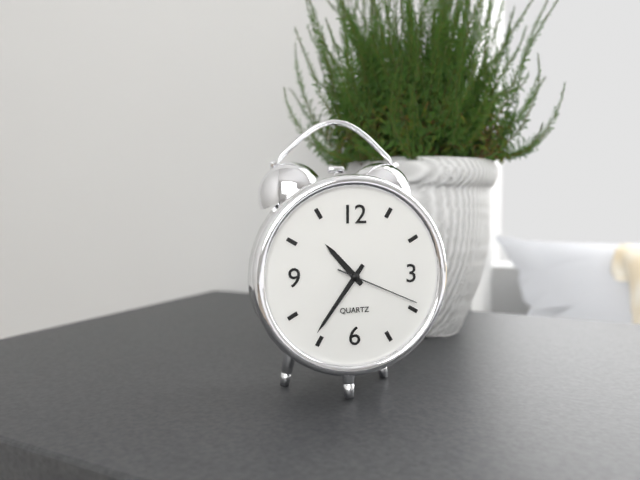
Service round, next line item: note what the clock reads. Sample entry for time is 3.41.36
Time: 10.36.19
